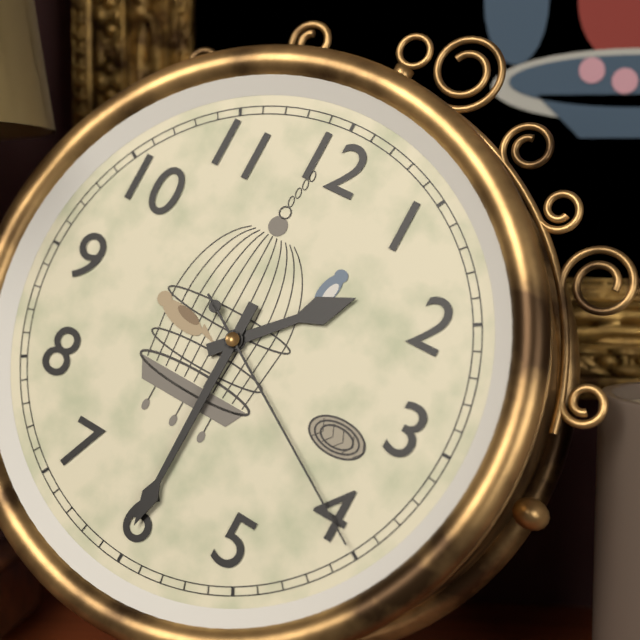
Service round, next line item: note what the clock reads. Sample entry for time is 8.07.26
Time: 1.30.20
